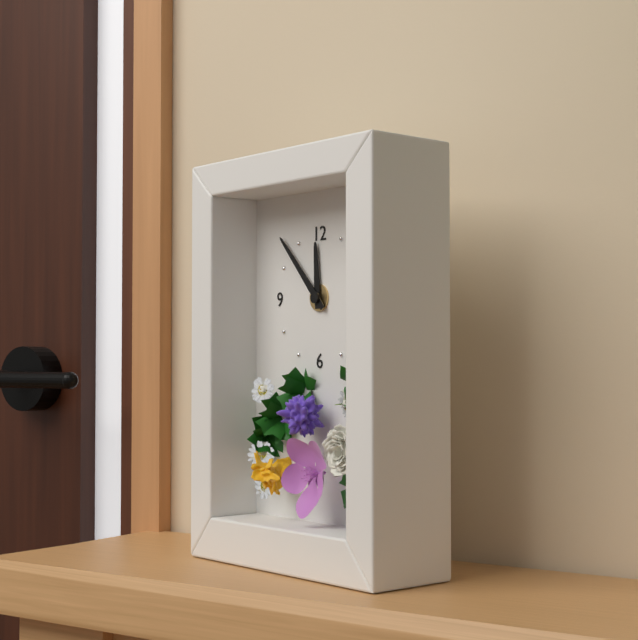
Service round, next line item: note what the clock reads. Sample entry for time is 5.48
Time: 11.53
